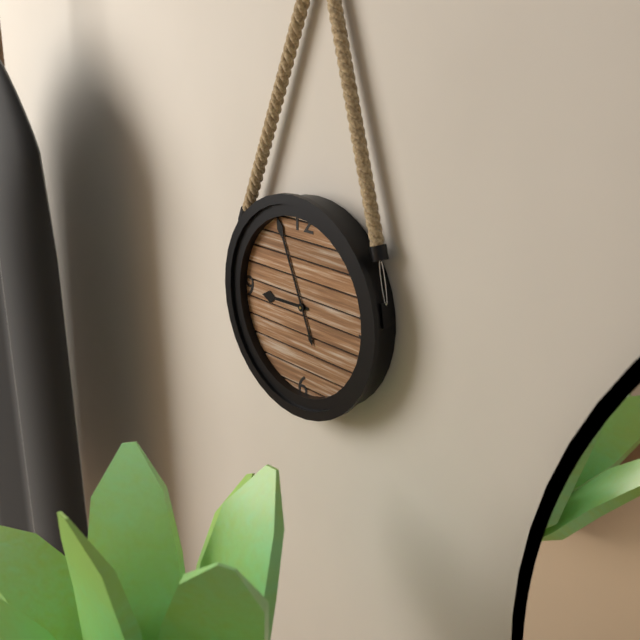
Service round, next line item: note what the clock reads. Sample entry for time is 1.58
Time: 8.56
